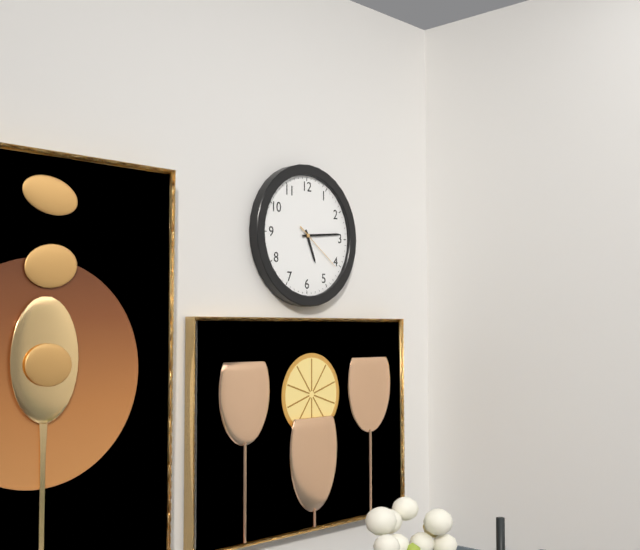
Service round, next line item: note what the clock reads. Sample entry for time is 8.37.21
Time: 5.14.21
